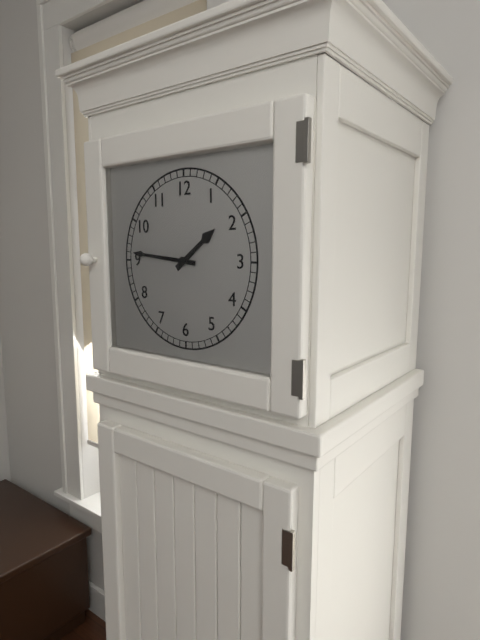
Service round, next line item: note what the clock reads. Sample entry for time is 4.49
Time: 1.46
